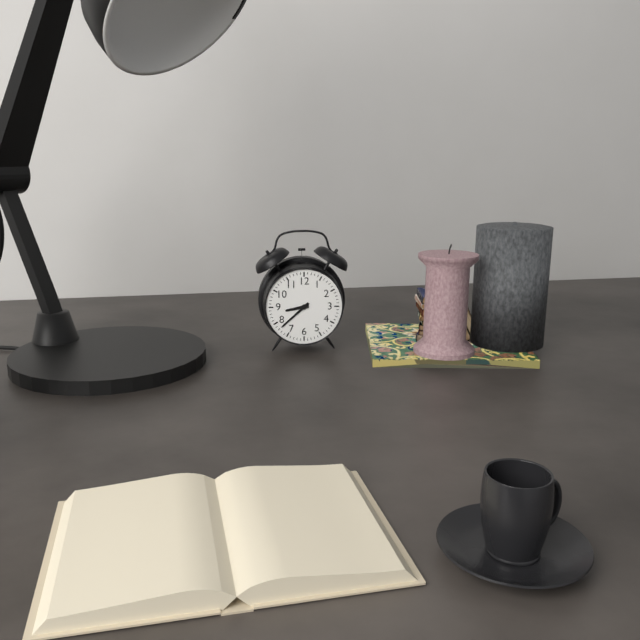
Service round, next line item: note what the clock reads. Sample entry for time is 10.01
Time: 8.38
